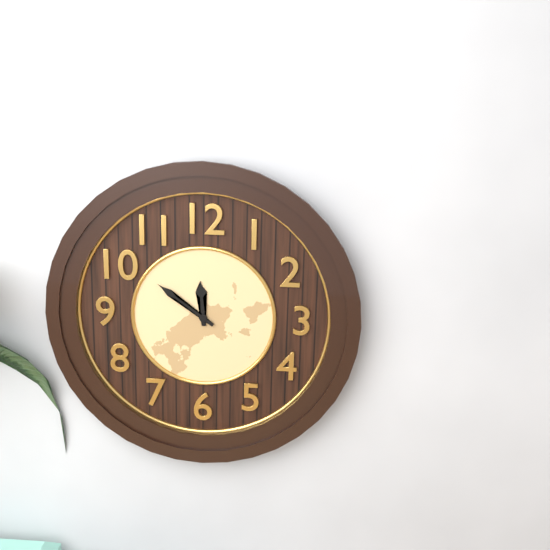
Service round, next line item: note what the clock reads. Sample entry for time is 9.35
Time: 11.51
